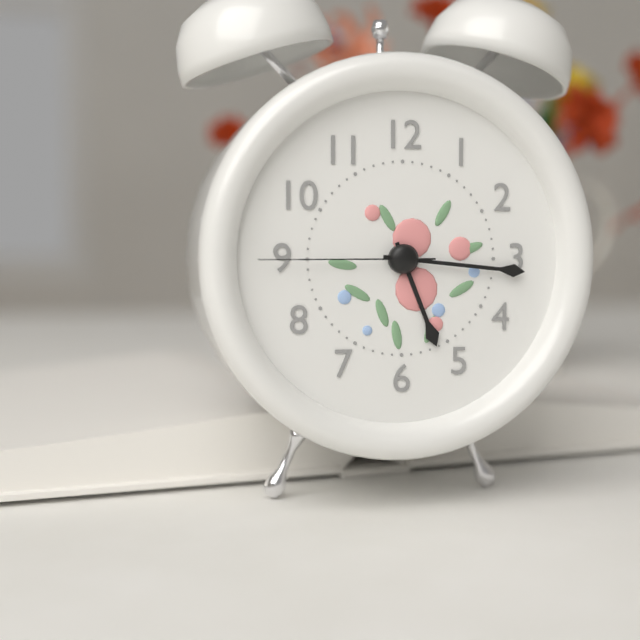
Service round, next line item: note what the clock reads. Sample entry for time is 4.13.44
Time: 5.16.45
